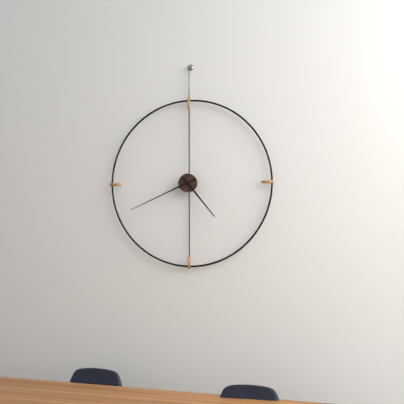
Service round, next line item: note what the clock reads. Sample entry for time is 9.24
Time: 4.41
